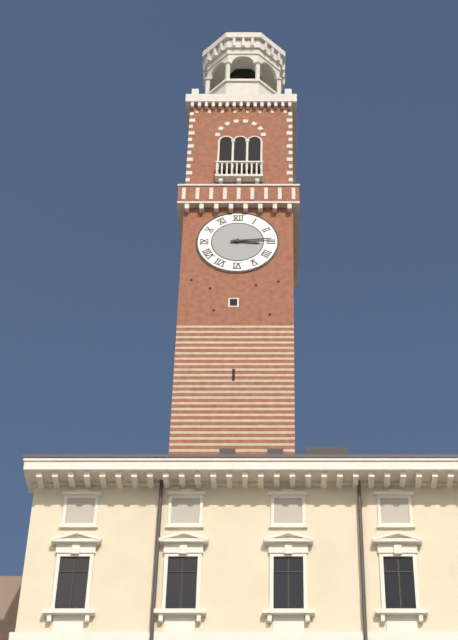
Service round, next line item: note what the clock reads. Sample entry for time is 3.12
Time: 3.14
